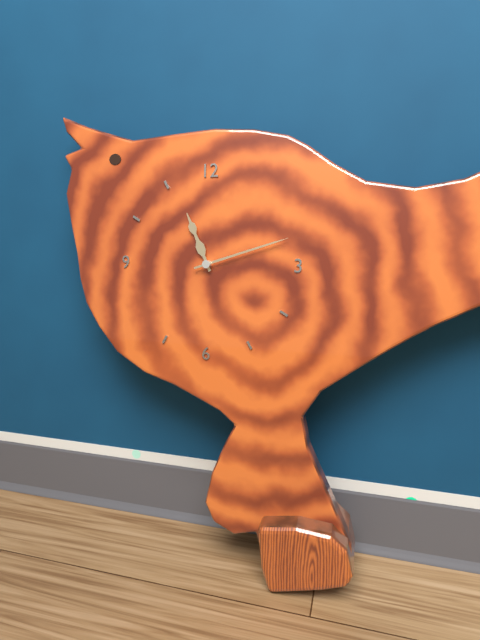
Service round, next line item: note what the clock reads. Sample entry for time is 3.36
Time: 11.12
